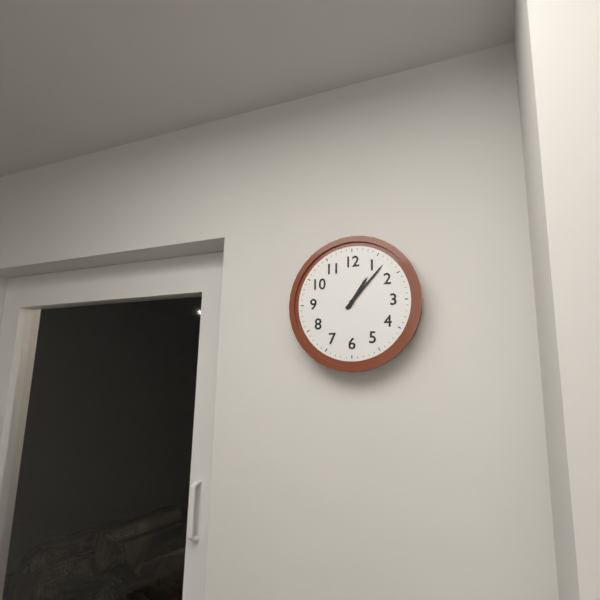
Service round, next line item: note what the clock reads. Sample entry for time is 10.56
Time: 1.07
